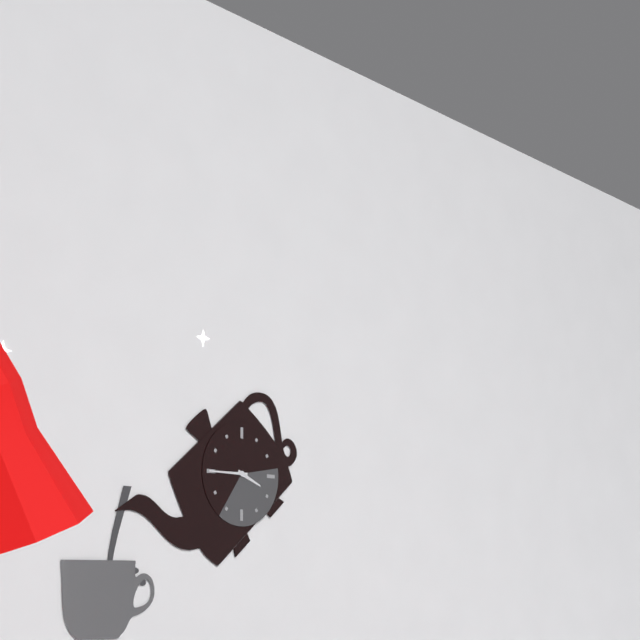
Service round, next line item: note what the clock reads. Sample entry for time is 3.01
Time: 3.45
